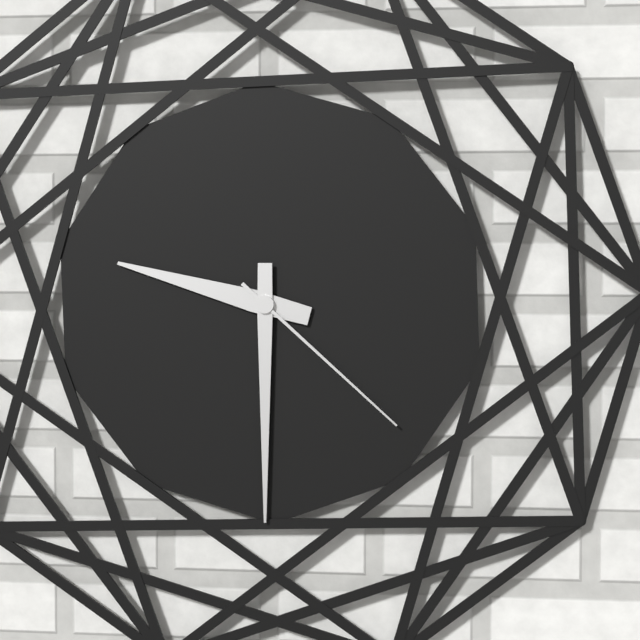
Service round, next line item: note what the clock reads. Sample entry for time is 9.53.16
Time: 9.30.22
